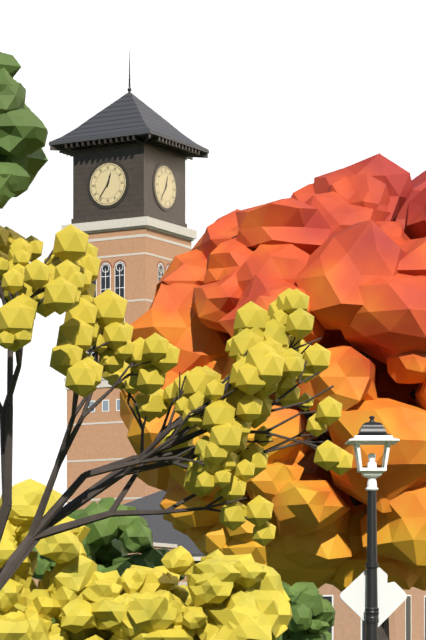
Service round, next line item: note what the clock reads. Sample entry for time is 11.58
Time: 12.36
